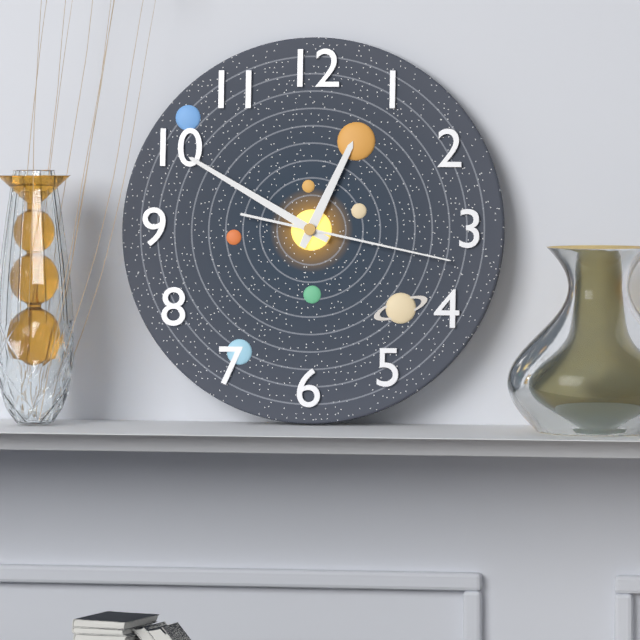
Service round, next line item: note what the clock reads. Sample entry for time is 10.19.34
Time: 12.50.17
